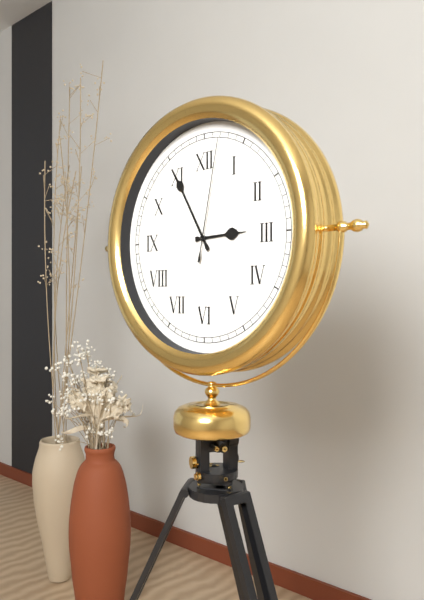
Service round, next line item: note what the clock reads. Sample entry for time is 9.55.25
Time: 2.55.02
